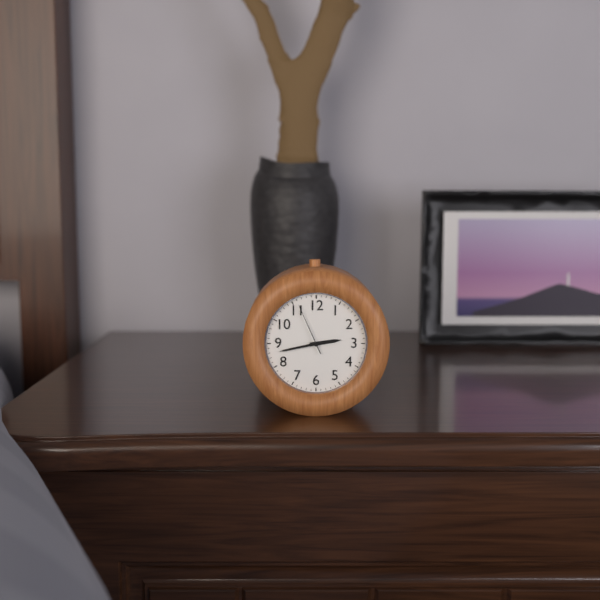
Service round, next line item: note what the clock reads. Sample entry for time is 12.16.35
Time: 2.43.56
